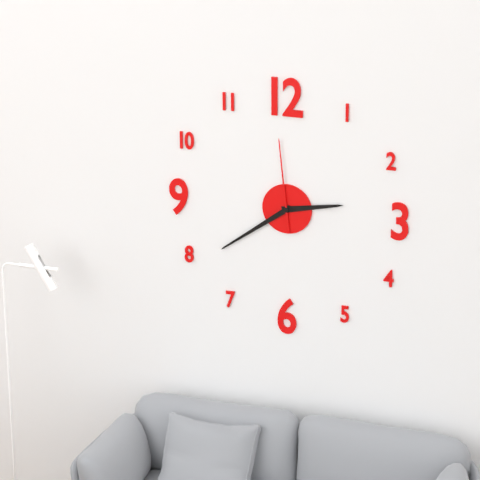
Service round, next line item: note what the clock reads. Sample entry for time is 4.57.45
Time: 2.39.59
